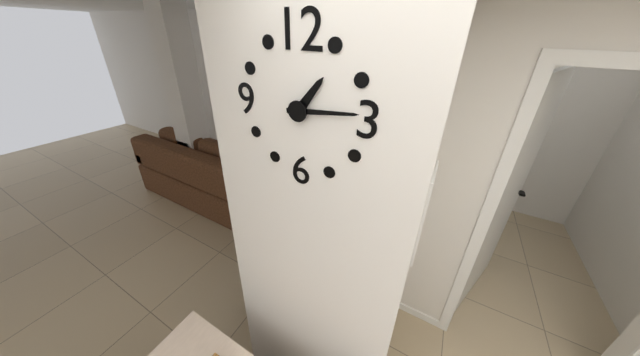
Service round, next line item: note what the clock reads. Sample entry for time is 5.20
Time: 1.14
